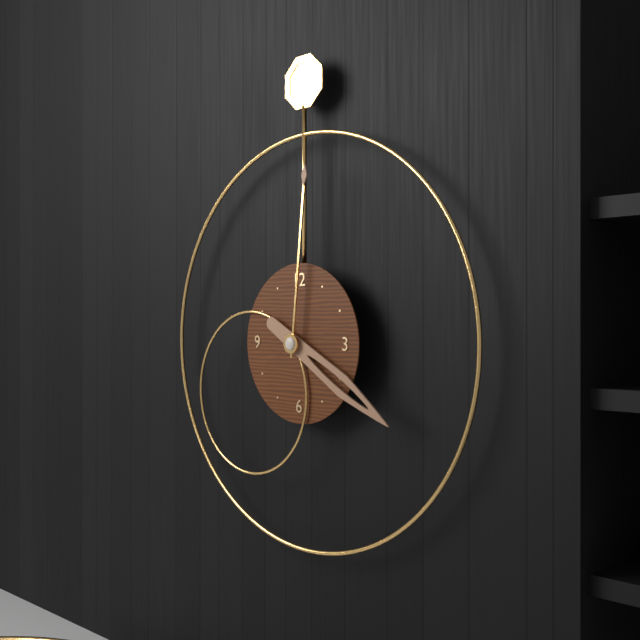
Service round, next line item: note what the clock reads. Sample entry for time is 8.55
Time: 4.01
